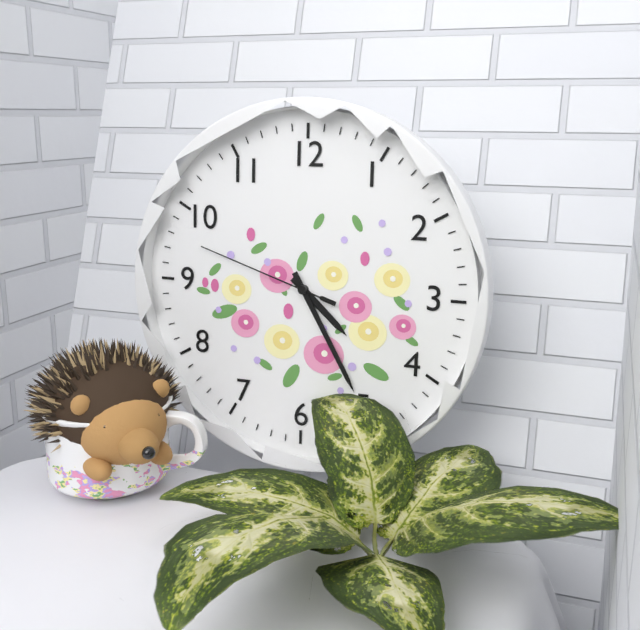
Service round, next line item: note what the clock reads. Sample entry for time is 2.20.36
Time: 4.25.48
